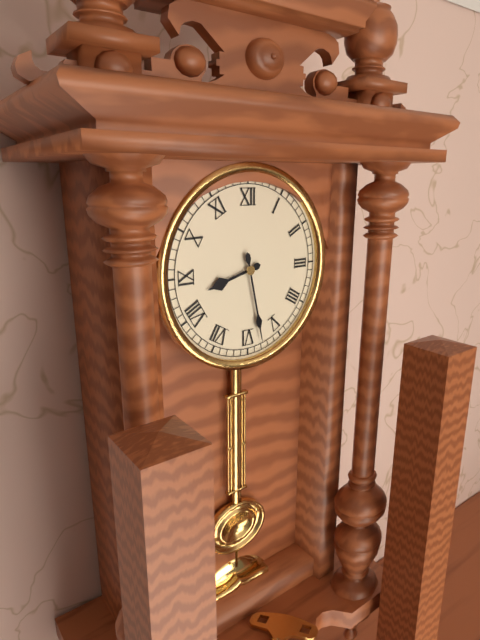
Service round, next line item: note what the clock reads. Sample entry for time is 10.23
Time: 8.28
